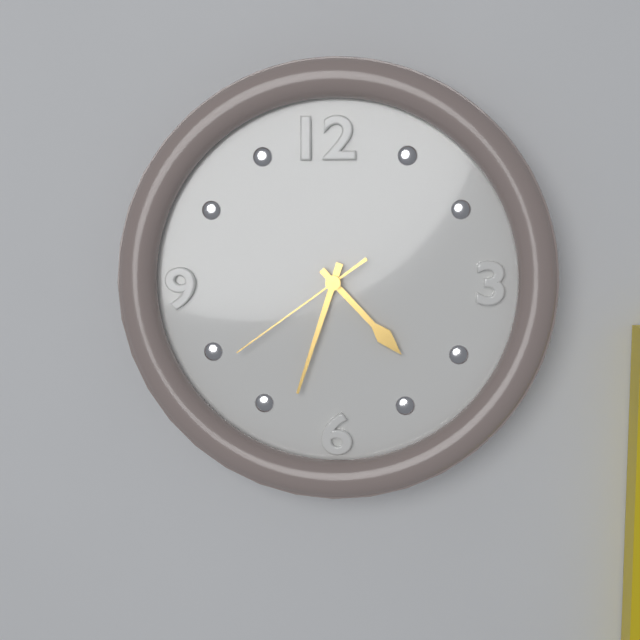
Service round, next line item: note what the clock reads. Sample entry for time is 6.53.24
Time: 4.33.39
